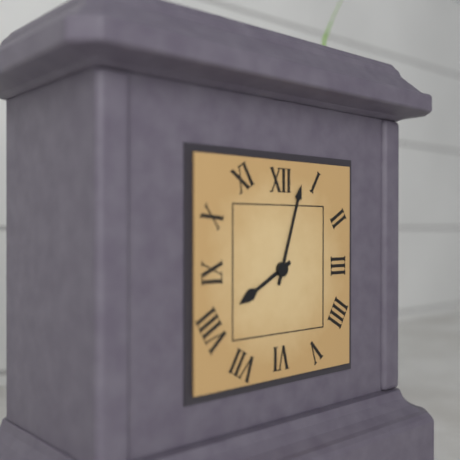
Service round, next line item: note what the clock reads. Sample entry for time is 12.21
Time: 8.03
